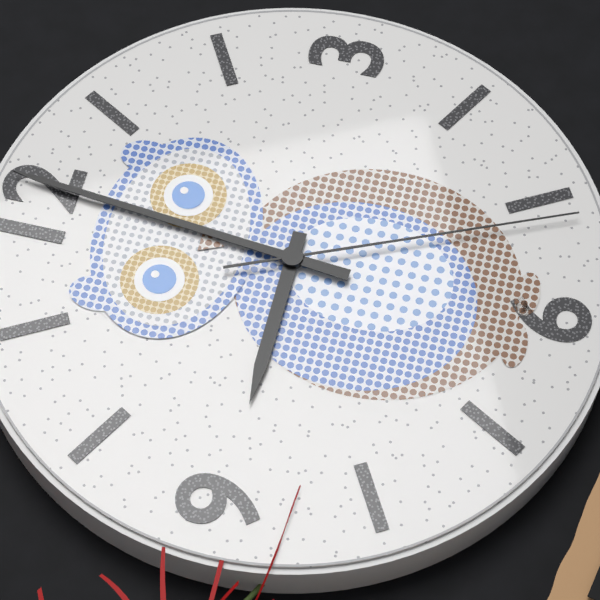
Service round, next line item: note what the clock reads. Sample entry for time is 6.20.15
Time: 9.01.26
